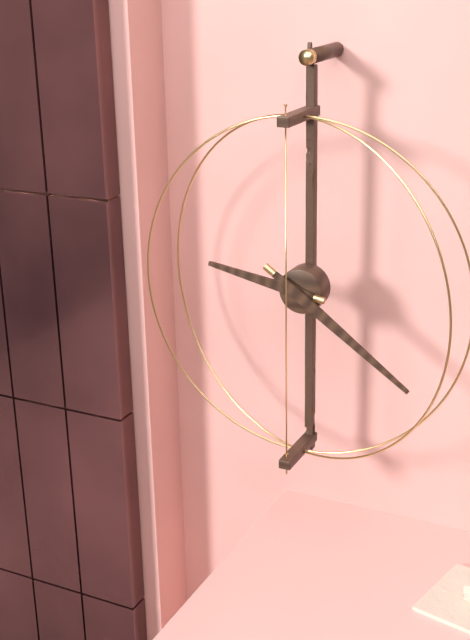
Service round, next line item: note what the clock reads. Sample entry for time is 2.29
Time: 9.21
